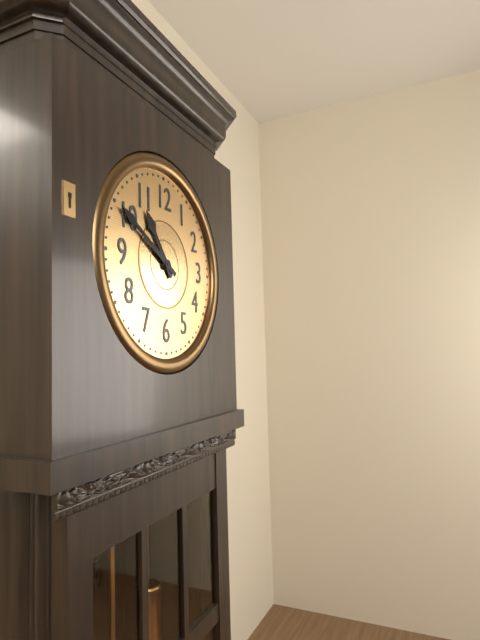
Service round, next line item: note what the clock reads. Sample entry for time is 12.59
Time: 10.50
